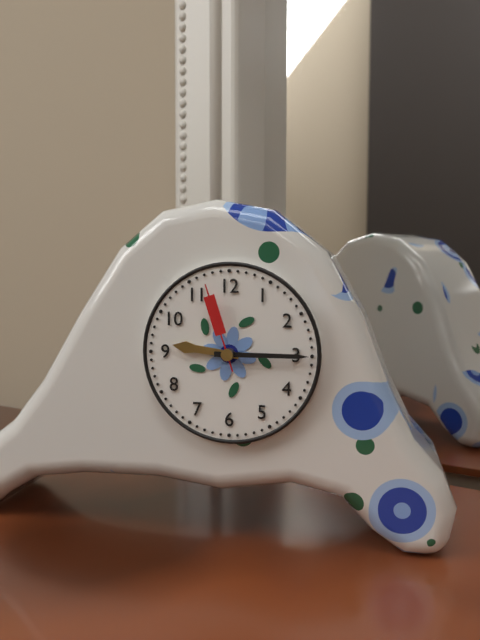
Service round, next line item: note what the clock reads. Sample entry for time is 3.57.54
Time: 9.15.57
